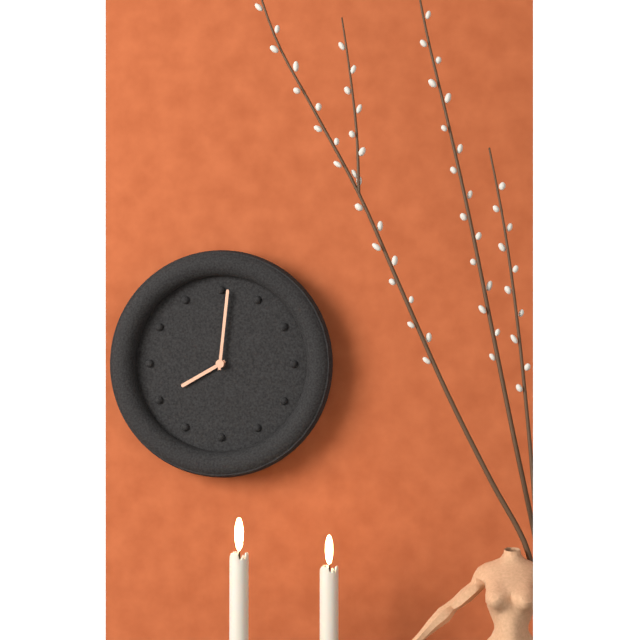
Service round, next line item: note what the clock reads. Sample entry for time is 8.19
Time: 8.01
